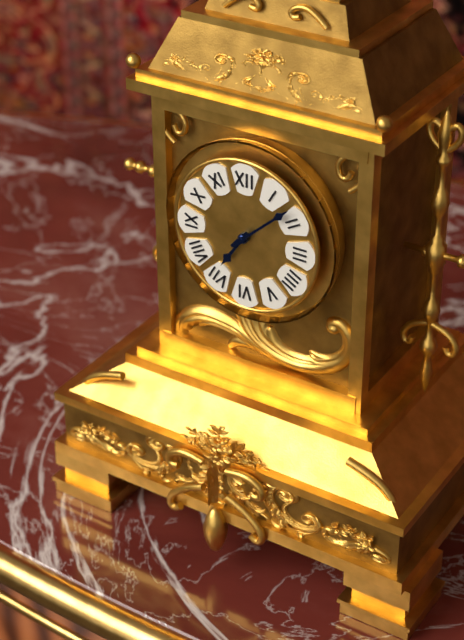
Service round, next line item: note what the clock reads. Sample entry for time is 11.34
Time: 7.08
